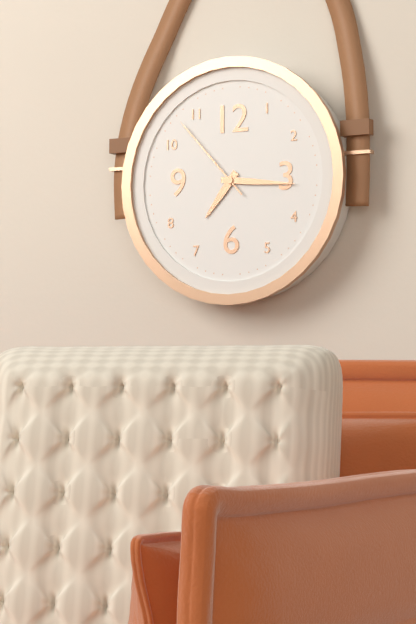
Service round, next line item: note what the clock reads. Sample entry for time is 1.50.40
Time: 7.16.53
